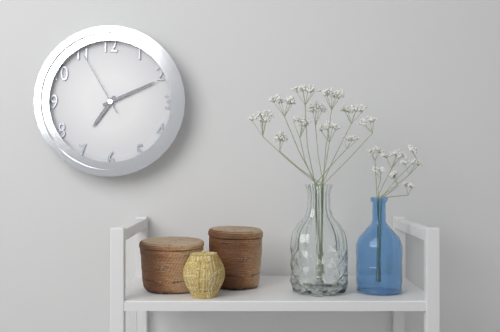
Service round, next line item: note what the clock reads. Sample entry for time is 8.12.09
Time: 7.11.55
